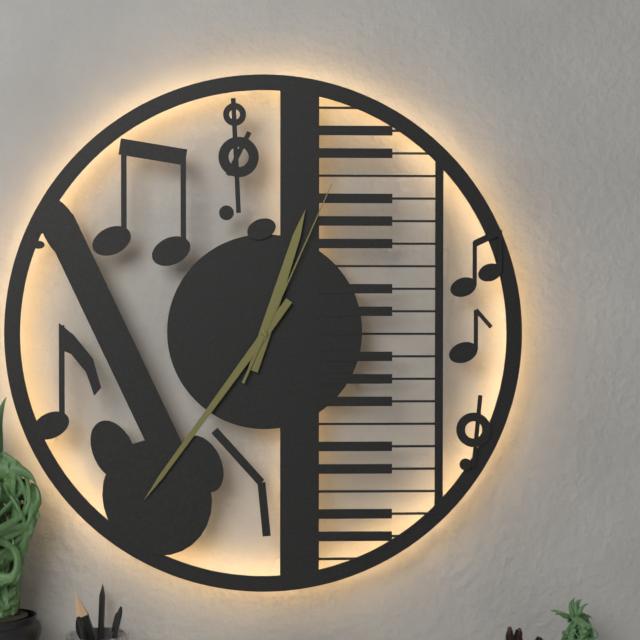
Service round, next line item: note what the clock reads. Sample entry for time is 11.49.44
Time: 12.36.04
